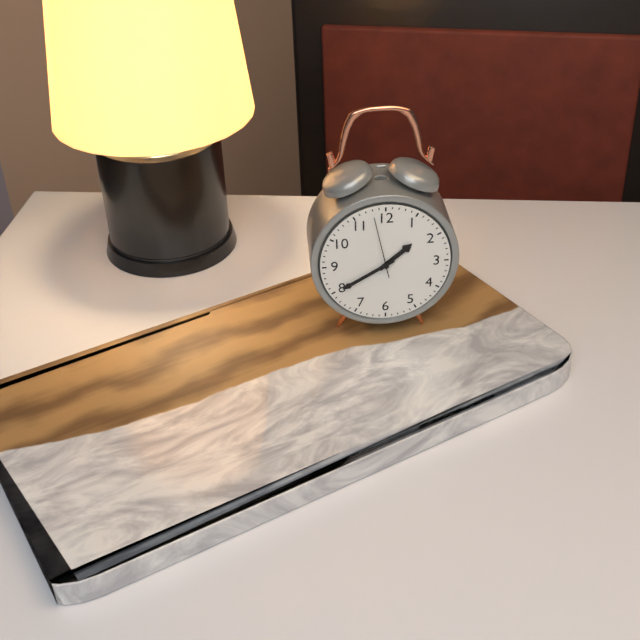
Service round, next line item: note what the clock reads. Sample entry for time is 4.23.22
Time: 1.40.58
